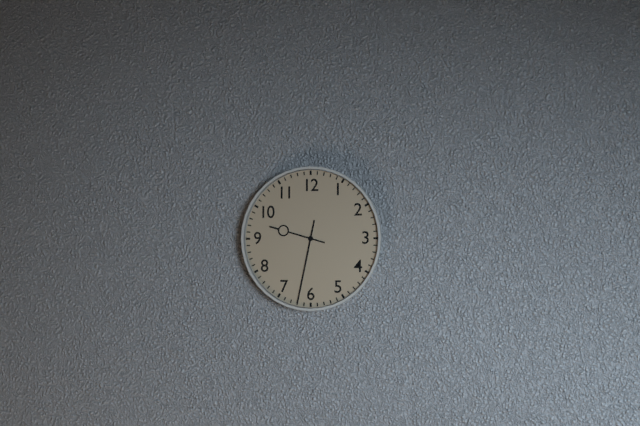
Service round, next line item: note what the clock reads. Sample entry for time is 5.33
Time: 9.32
